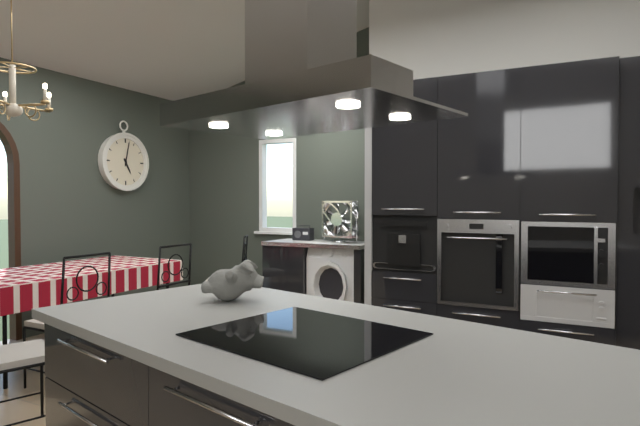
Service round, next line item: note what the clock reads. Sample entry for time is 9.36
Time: 5.02
